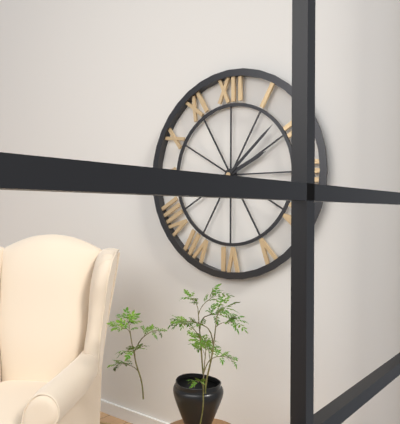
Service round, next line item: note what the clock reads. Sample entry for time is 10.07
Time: 2.08
